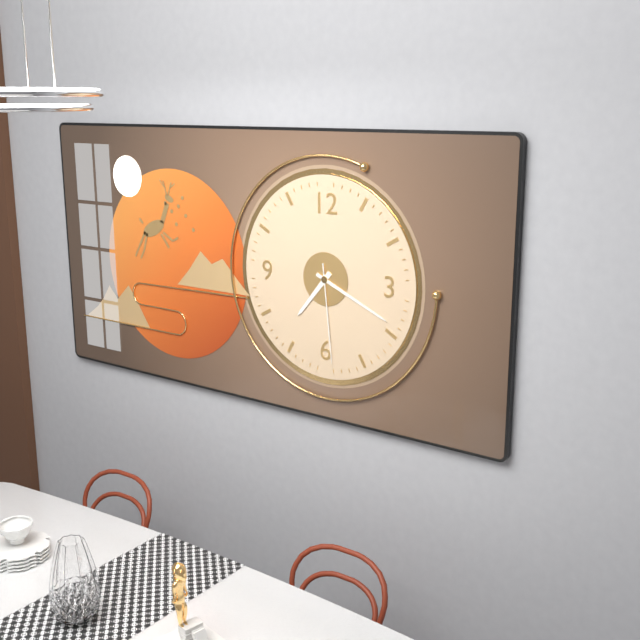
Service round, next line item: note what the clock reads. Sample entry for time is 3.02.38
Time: 7.19.29
